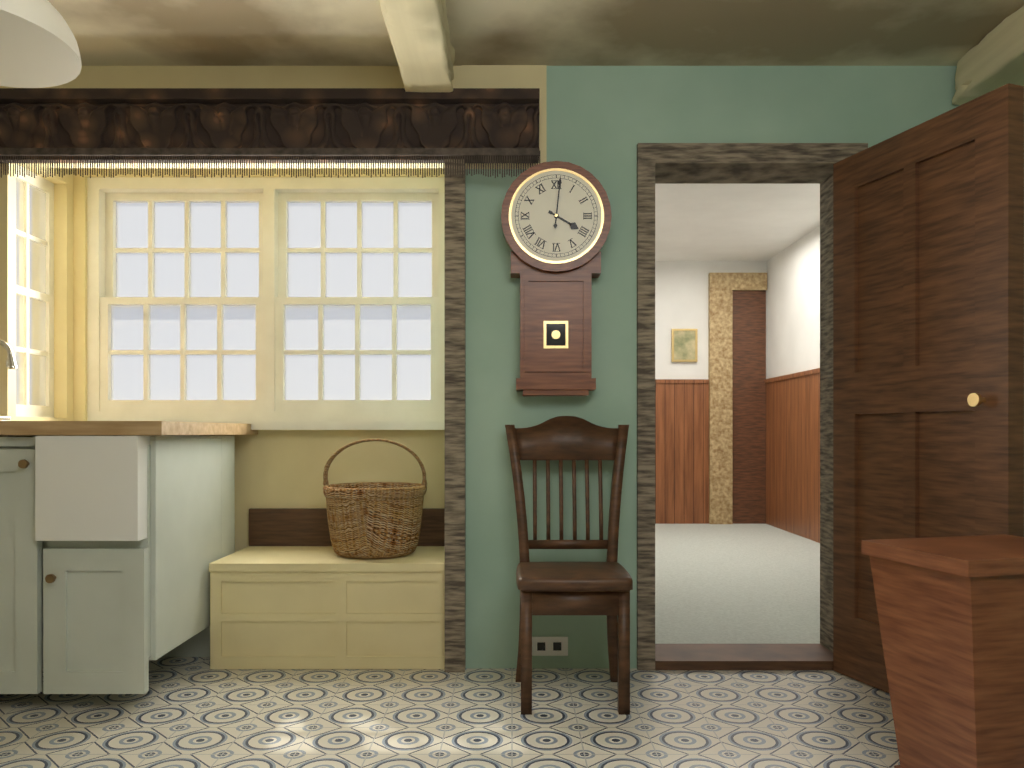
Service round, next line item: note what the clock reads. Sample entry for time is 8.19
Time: 4.01
